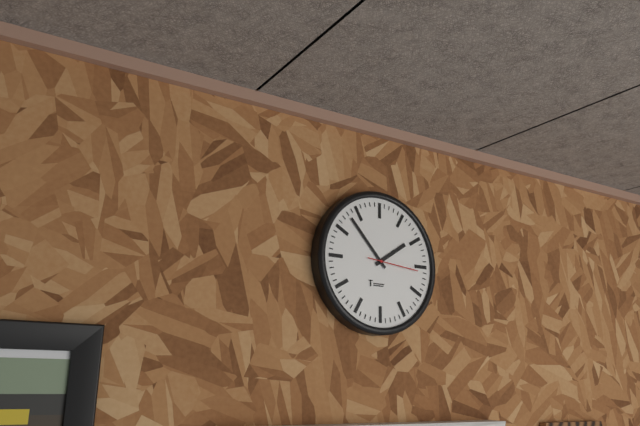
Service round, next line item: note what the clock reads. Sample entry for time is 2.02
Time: 1.53
